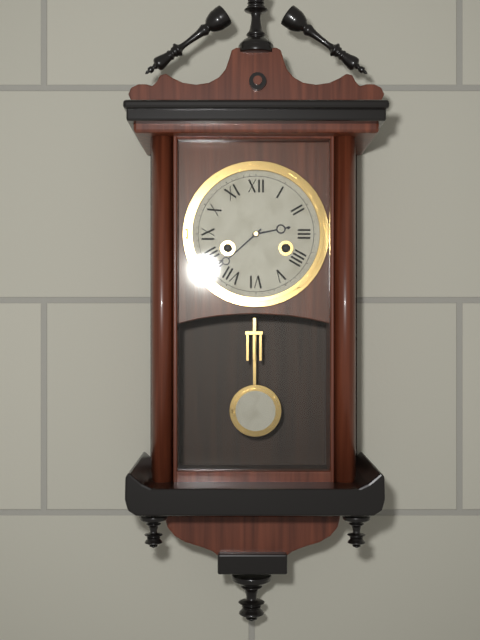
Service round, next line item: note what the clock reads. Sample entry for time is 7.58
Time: 2.38
